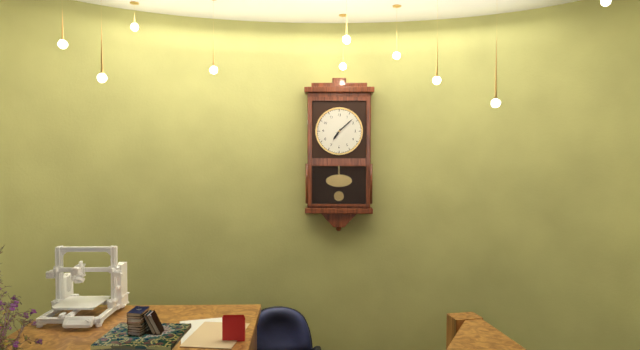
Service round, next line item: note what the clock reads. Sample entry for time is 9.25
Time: 7.08
